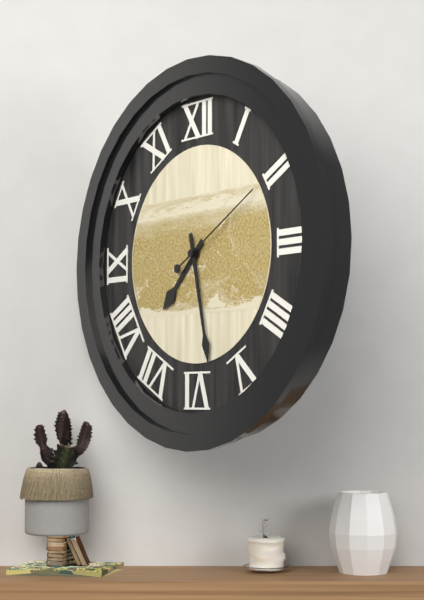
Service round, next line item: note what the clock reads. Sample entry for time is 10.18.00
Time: 7.28.10
